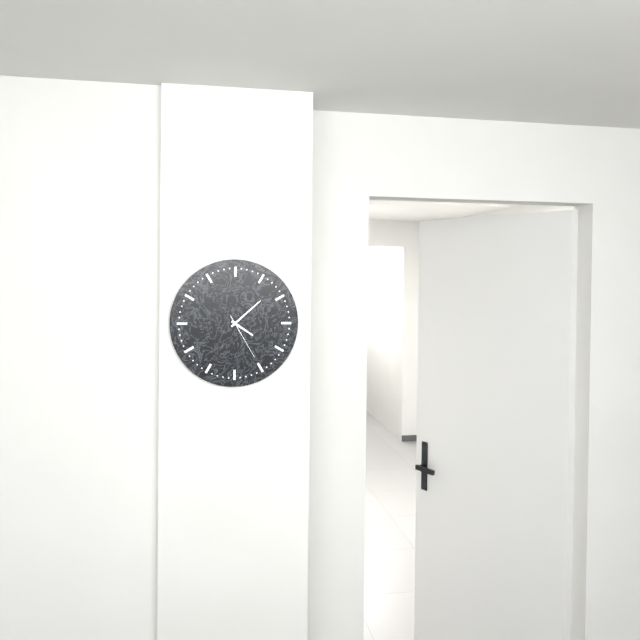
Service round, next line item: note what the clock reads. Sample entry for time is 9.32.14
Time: 4.08.25
